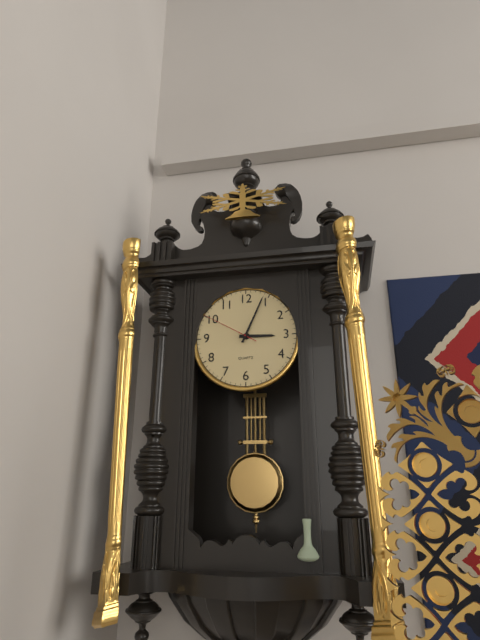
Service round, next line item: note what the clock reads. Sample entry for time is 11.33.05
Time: 3.04.50
